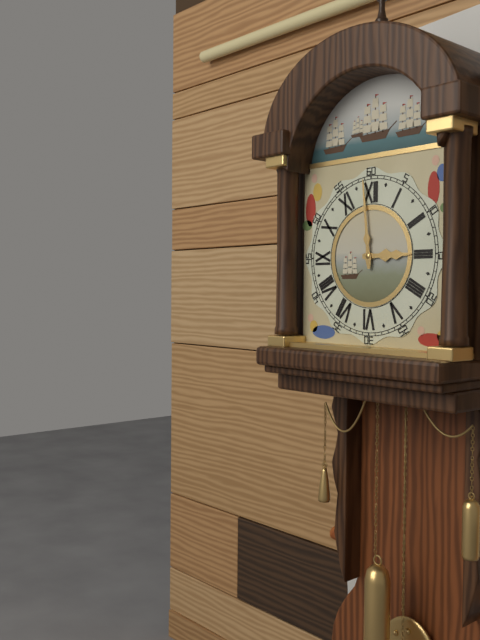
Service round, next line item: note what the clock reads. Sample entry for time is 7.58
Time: 2.59
